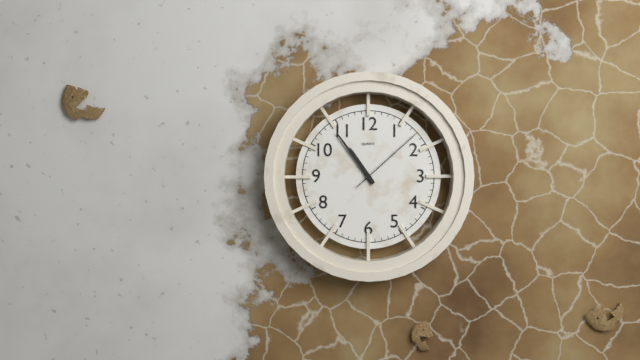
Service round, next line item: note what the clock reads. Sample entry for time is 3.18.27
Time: 10.54.08
